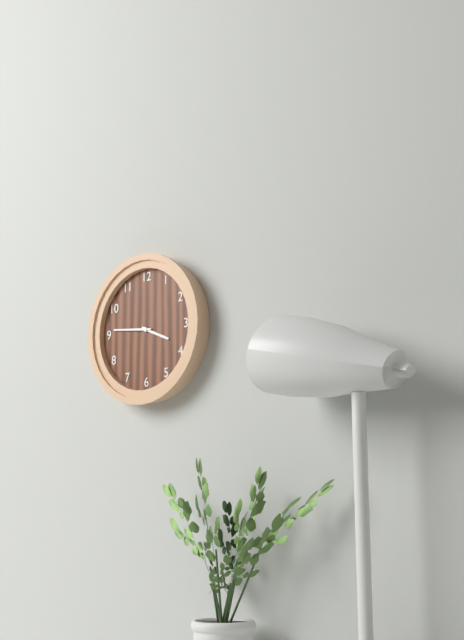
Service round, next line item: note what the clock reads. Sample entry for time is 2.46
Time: 3.46
